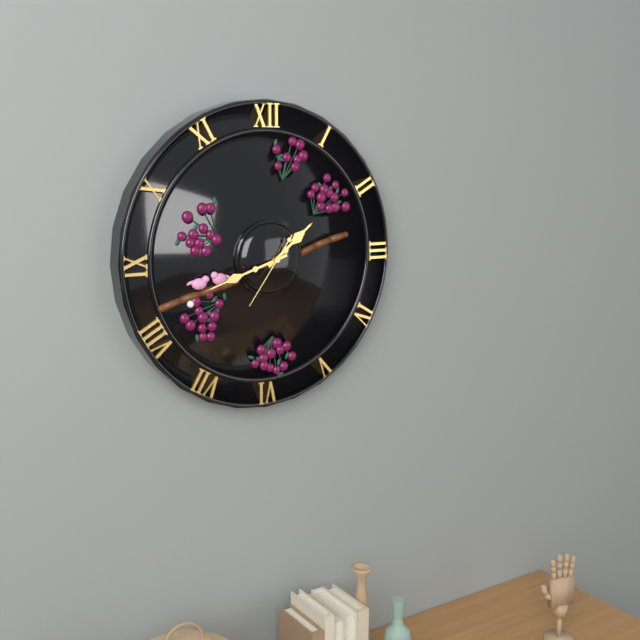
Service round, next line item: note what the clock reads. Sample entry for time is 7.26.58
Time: 1.42.36
